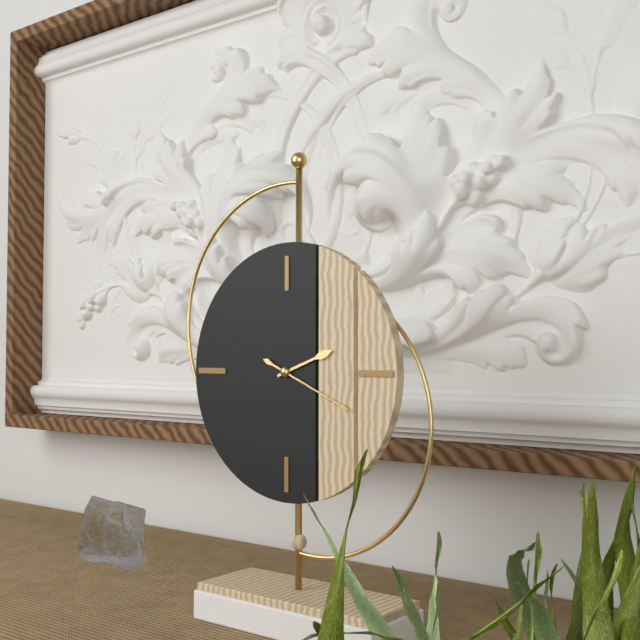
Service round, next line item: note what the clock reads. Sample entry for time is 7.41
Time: 2.19
